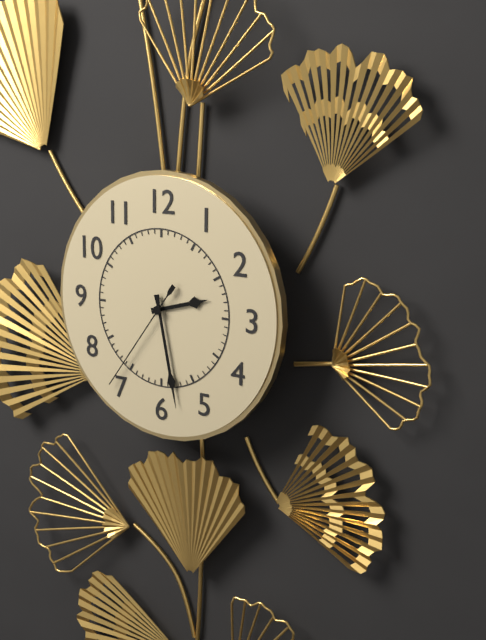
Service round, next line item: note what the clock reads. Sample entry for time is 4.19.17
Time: 2.28.36
